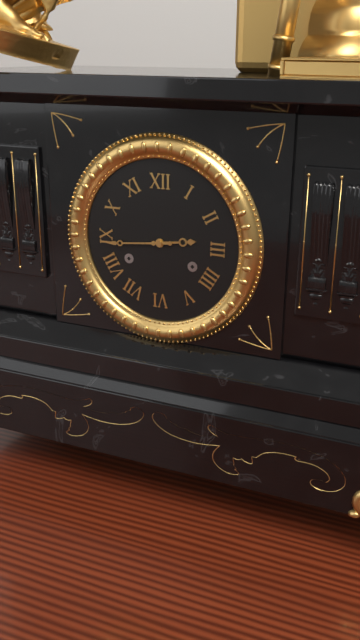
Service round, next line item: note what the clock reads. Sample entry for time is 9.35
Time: 2.44
